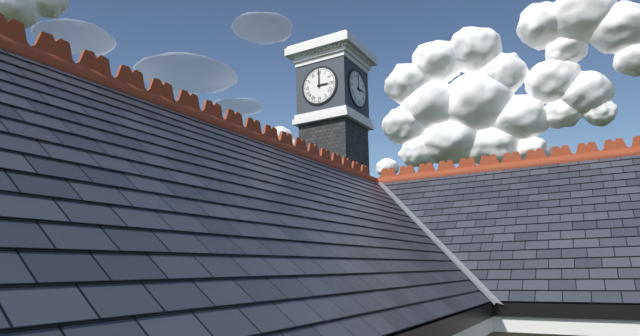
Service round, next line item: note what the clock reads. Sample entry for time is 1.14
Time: 3.00
